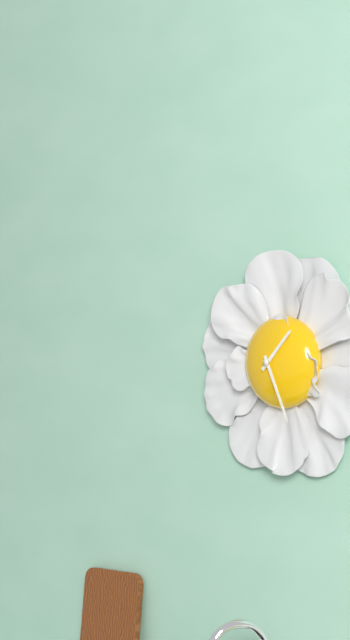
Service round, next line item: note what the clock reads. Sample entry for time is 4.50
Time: 1.26
